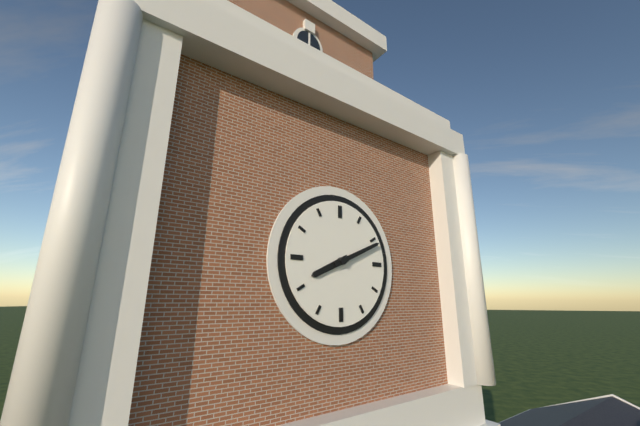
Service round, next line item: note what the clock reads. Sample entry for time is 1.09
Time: 8.11
